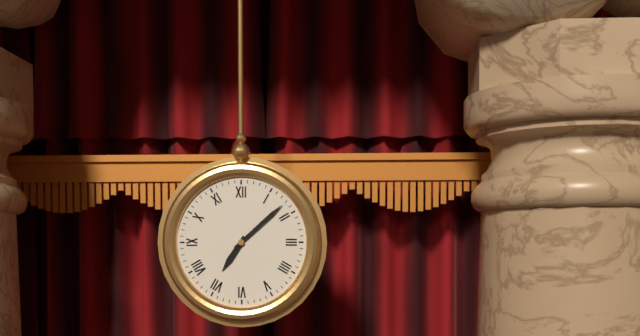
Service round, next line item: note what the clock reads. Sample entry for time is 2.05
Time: 7.08
